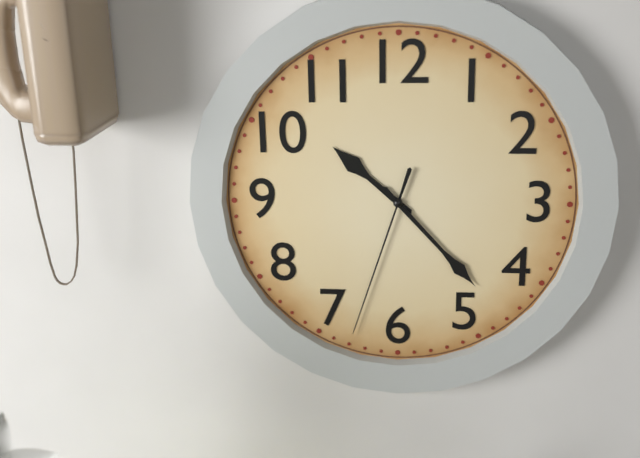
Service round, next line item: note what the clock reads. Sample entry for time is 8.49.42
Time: 10.23.33
